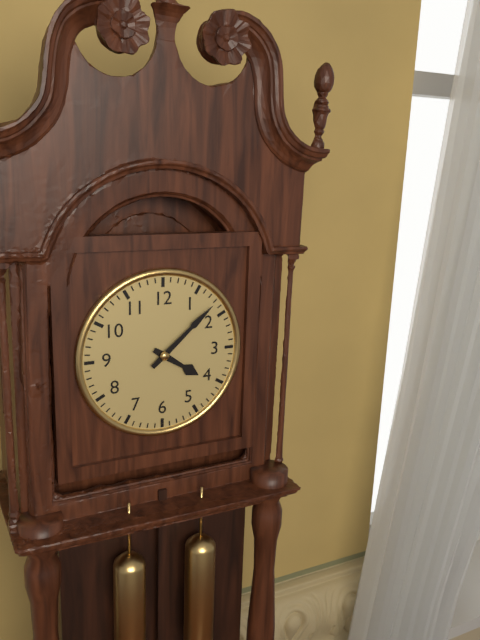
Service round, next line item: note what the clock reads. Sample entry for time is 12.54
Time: 4.08
